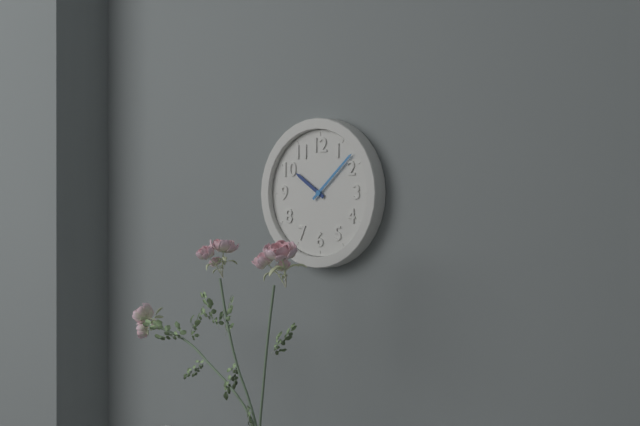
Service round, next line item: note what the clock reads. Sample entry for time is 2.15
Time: 10.08
